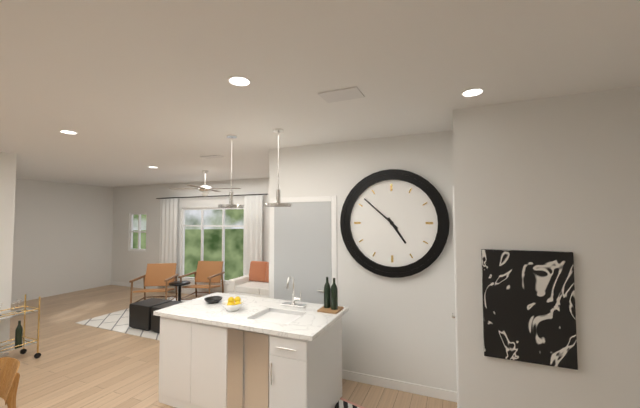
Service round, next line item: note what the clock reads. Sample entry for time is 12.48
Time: 4.52
